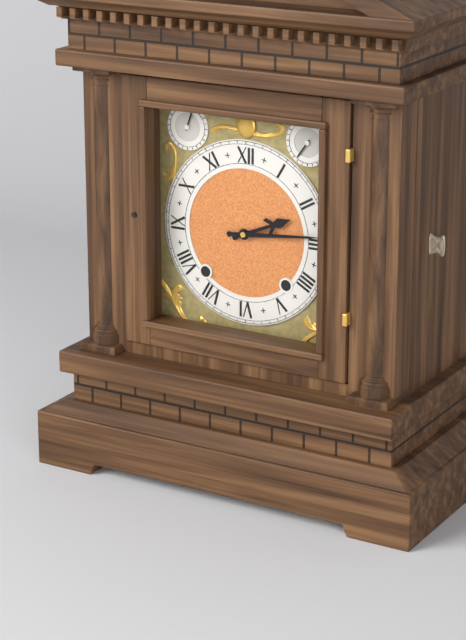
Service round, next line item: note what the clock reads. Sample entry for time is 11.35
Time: 2.14
